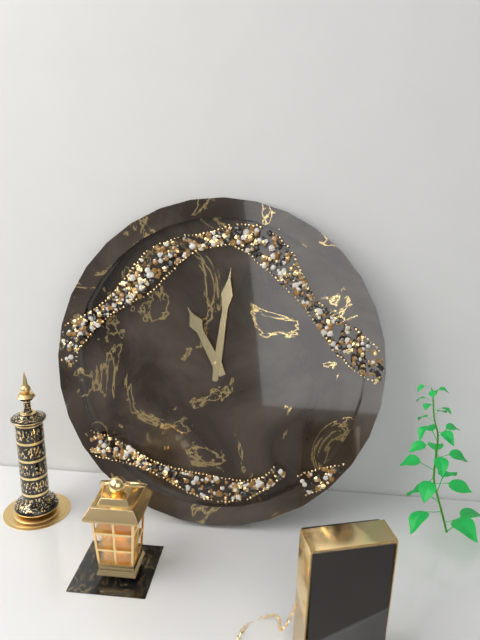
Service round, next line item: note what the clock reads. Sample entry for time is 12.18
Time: 11.01
